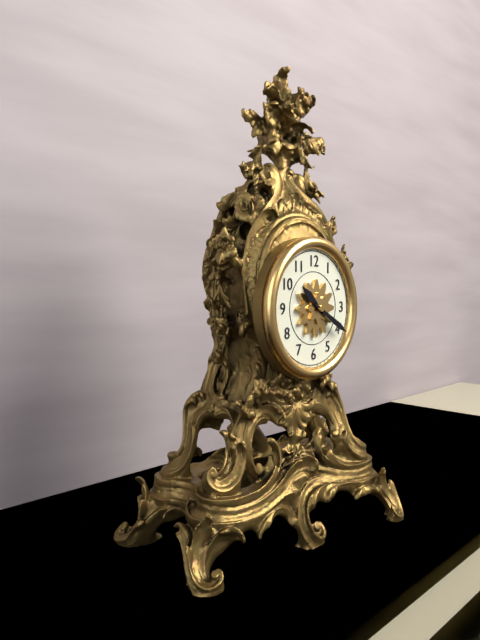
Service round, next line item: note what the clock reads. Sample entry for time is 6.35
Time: 10.20
